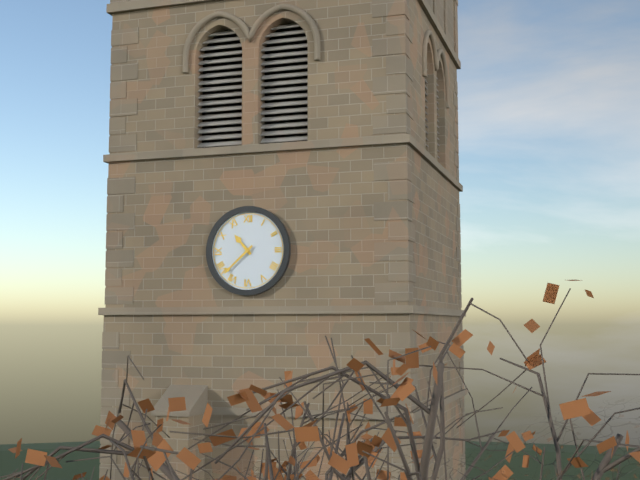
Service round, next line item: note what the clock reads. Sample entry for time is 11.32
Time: 10.38
